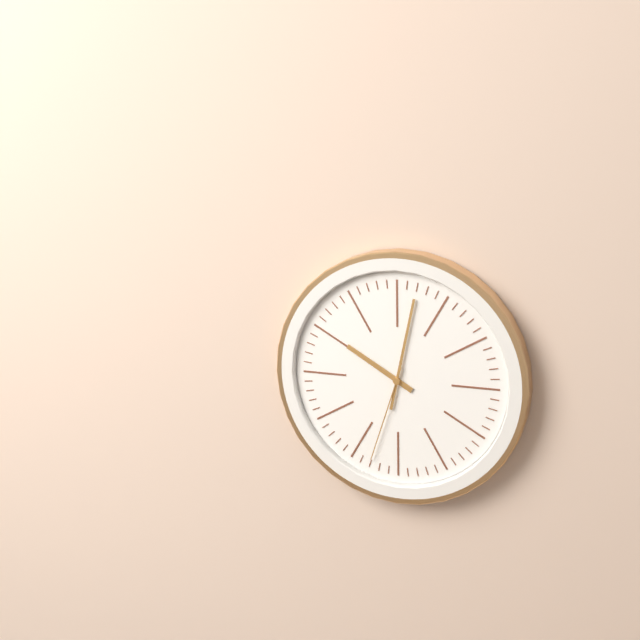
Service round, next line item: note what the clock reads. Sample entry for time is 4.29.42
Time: 10.02.33
